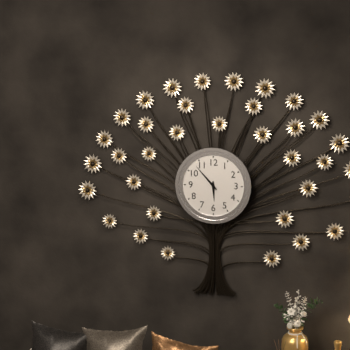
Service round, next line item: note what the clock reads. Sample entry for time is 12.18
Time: 5.53
